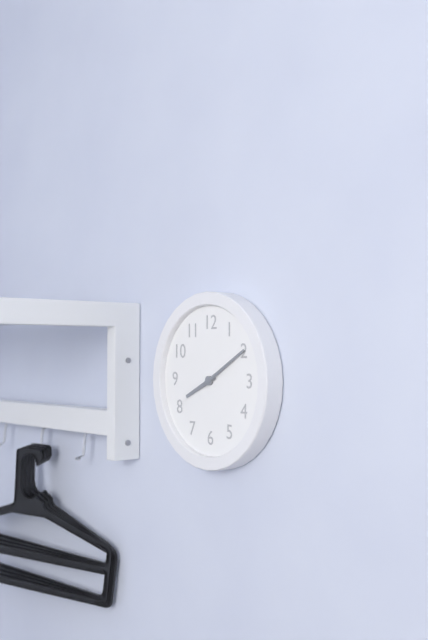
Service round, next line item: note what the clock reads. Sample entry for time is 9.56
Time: 8.10
